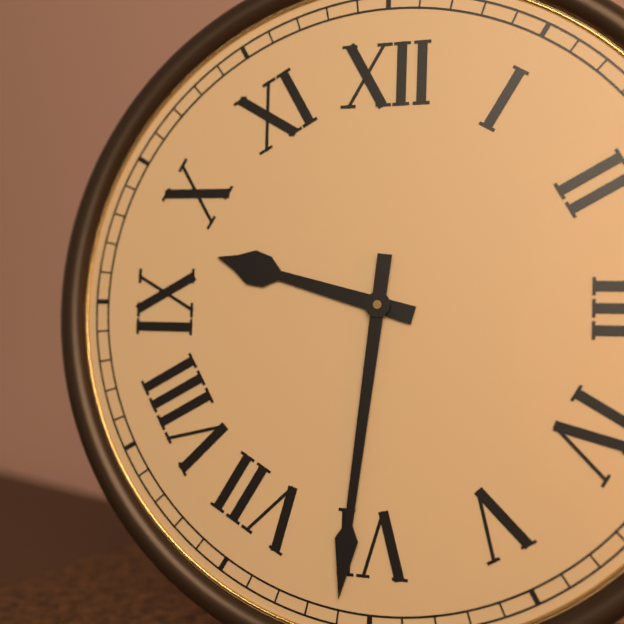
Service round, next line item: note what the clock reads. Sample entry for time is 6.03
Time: 9.31
